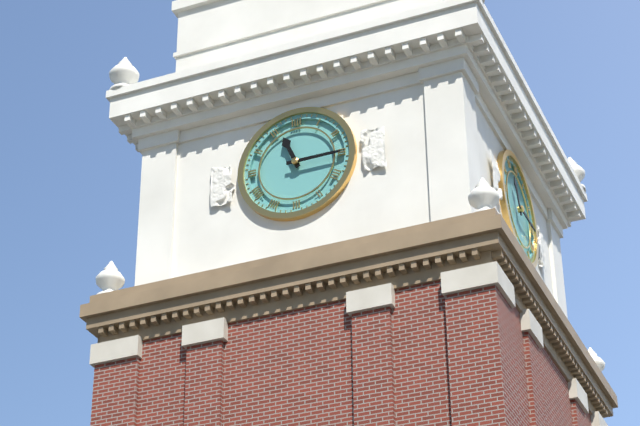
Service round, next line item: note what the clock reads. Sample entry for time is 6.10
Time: 11.15
